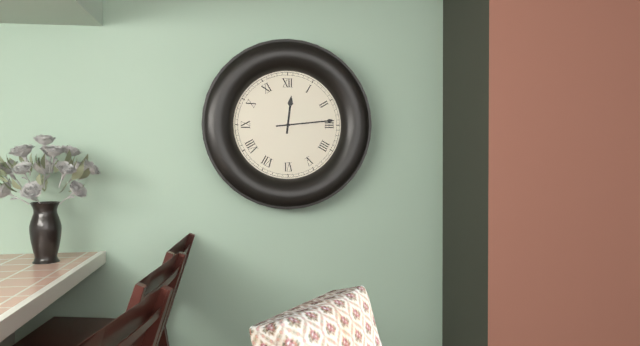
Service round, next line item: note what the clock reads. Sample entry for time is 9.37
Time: 12.14
